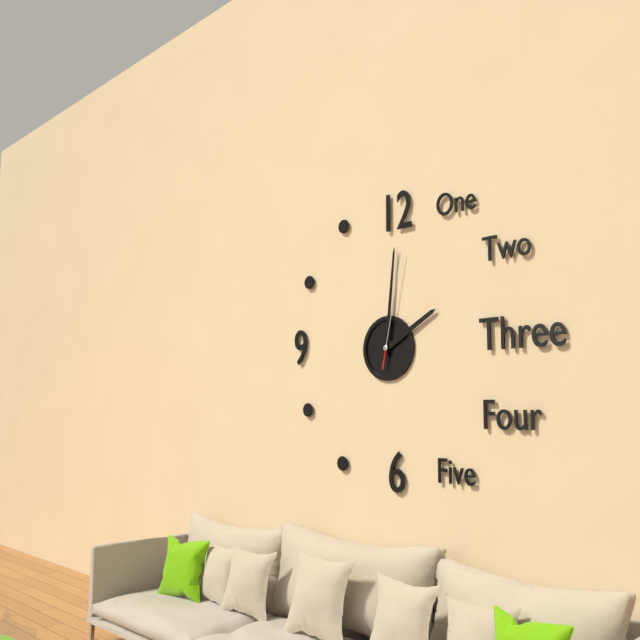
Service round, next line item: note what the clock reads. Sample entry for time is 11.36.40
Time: 2.01.02
